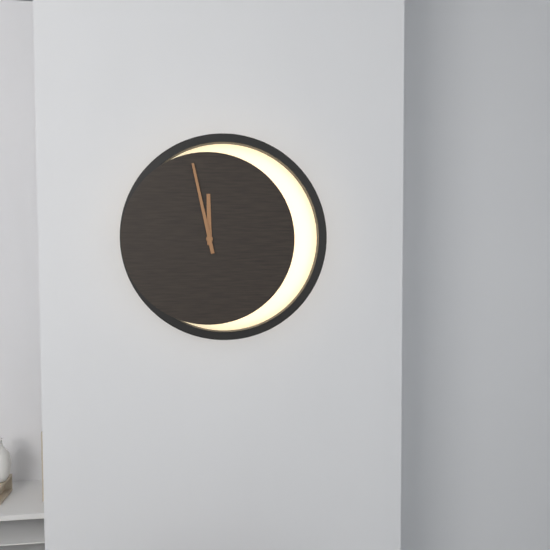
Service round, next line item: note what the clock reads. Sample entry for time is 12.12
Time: 11.58
